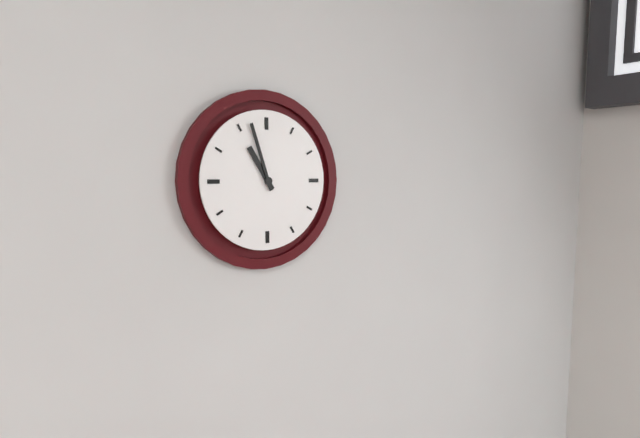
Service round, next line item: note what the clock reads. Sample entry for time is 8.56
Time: 10.57
